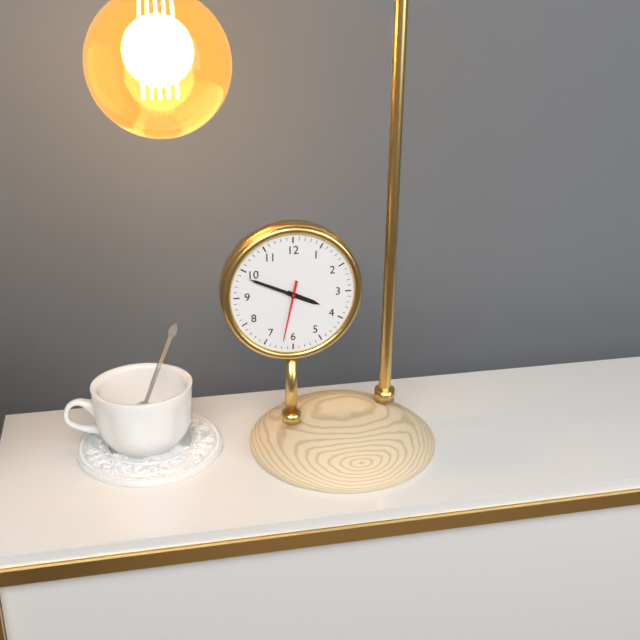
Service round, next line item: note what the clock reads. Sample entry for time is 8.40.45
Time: 3.49.32
